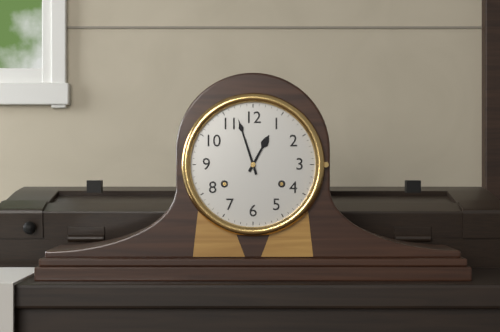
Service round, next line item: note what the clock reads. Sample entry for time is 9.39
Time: 12.57
